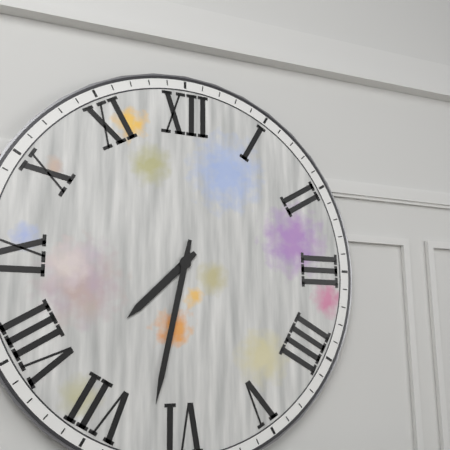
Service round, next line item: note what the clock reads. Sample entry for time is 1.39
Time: 7.32
